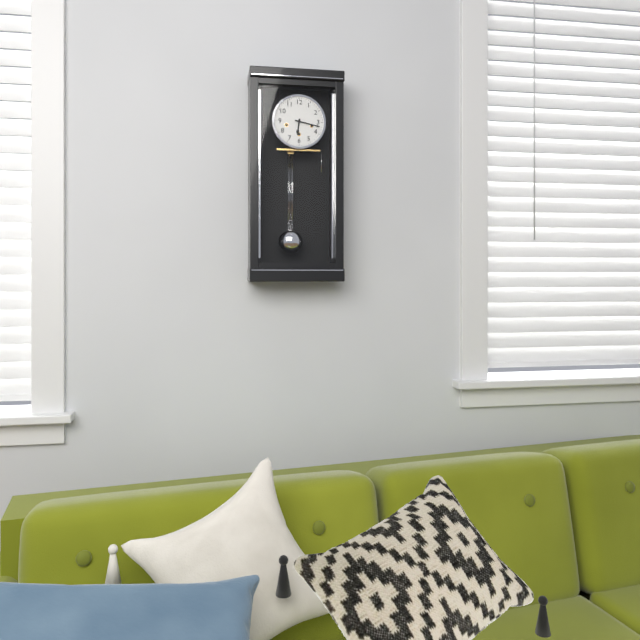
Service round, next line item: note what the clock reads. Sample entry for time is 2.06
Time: 6.17
